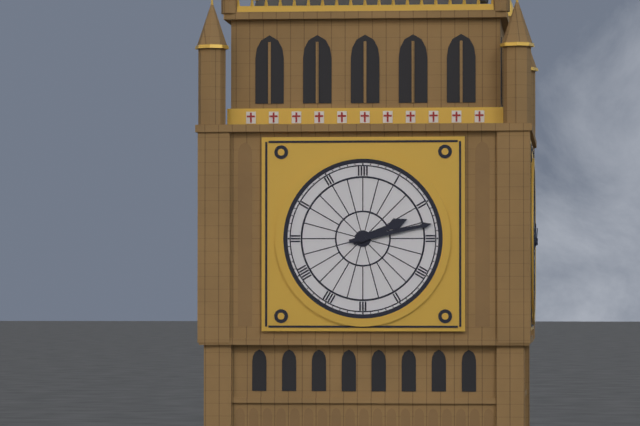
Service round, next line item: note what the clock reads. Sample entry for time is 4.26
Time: 2.13
